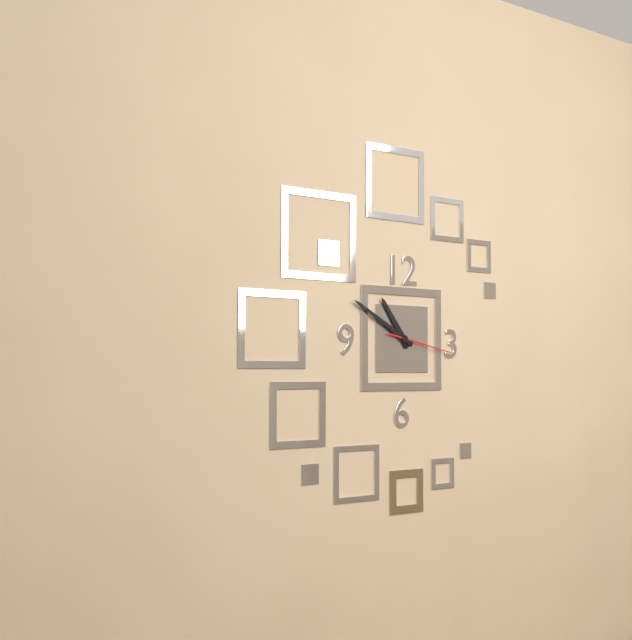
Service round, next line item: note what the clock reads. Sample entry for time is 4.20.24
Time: 10.50.17
